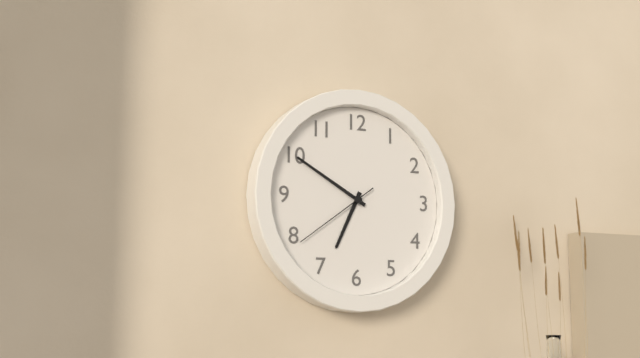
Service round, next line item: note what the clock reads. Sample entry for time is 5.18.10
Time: 6.50.39
